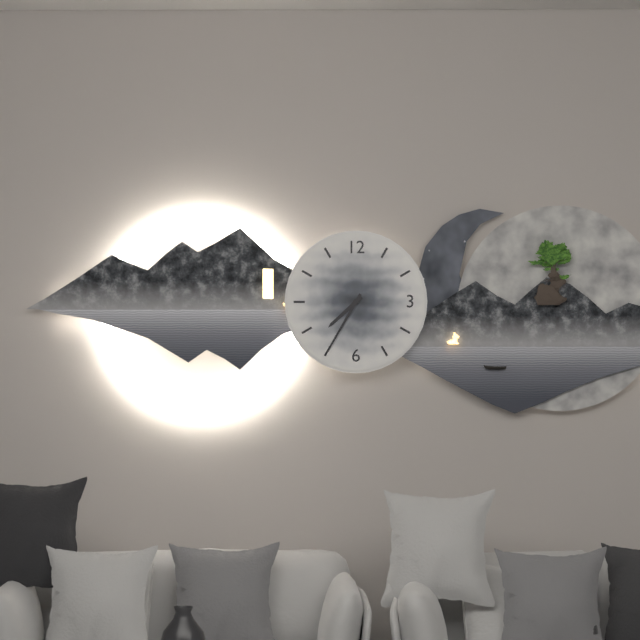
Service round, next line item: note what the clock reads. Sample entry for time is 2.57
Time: 7.35
